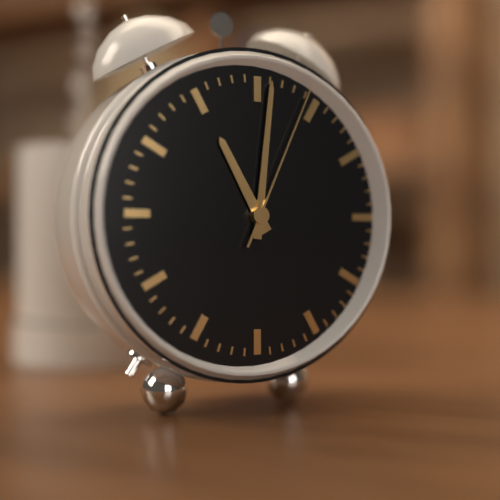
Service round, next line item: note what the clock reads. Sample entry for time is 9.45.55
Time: 11.01.04
